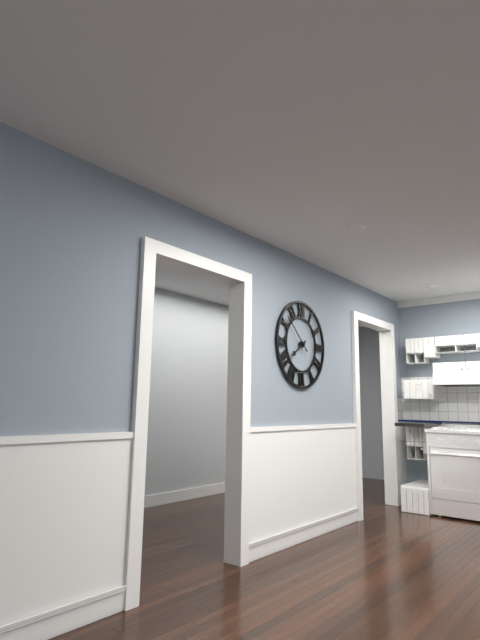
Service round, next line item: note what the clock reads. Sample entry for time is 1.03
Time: 7.52
